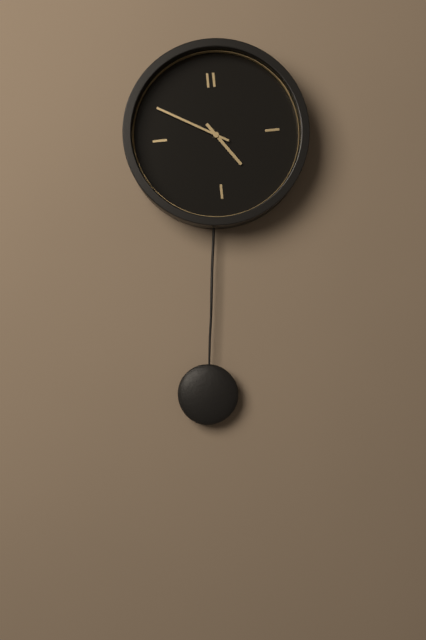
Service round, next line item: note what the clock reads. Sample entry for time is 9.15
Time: 4.50
